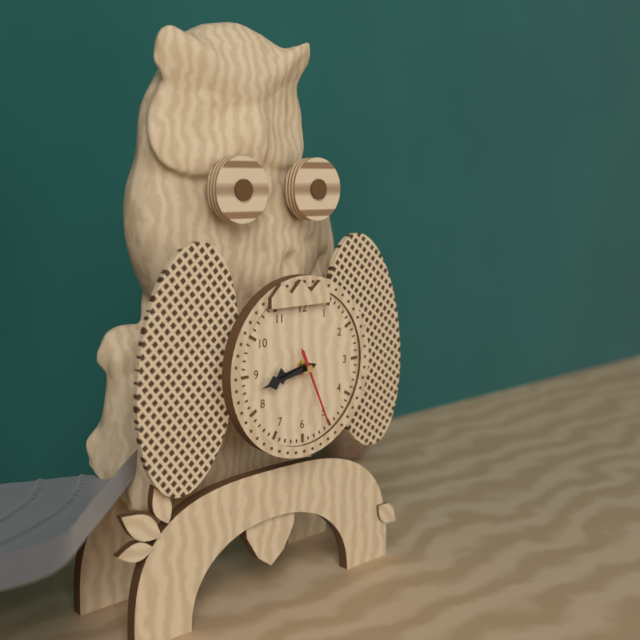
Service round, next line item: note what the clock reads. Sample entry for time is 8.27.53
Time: 8.43.26
